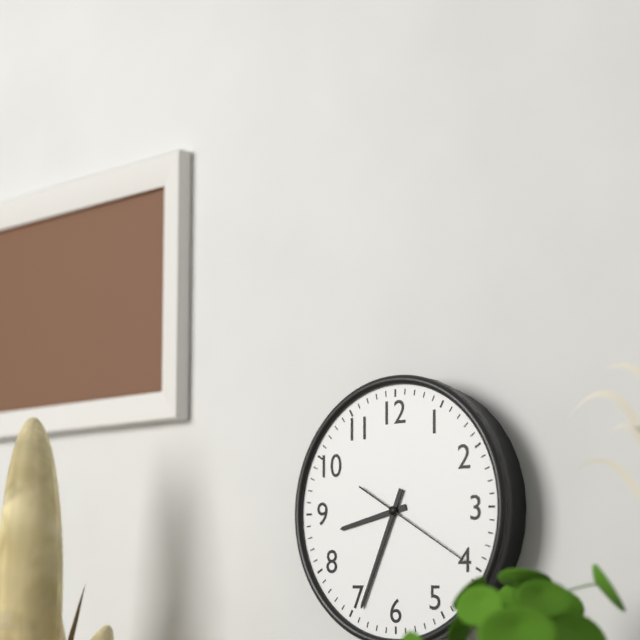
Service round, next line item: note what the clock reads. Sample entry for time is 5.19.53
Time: 8.34.20
